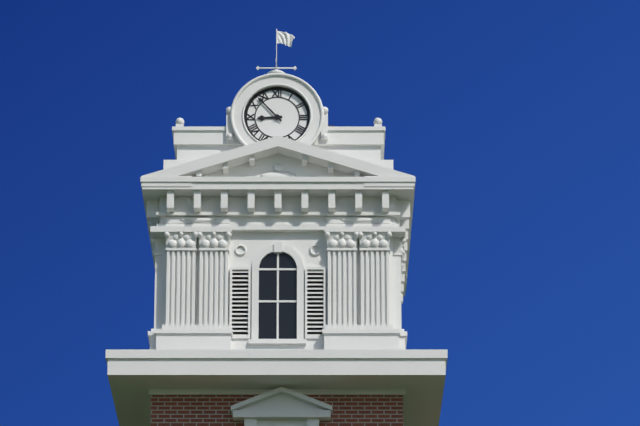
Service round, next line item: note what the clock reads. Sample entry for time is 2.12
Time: 8.53
